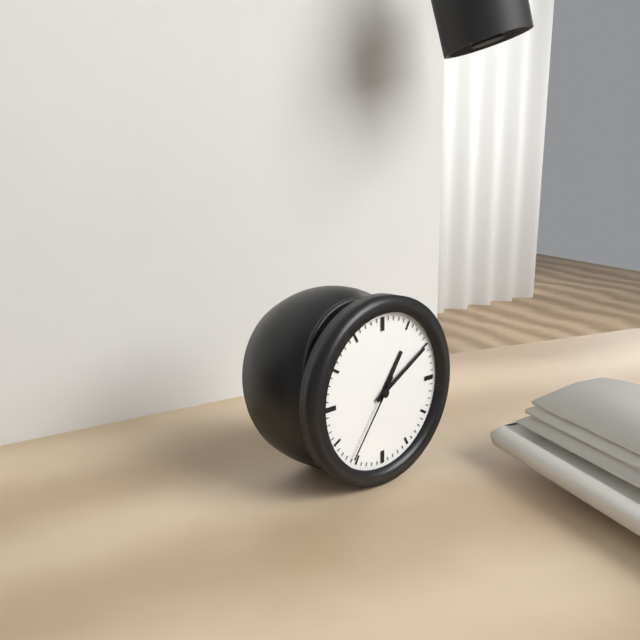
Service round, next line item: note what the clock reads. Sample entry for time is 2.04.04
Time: 1.10.36
